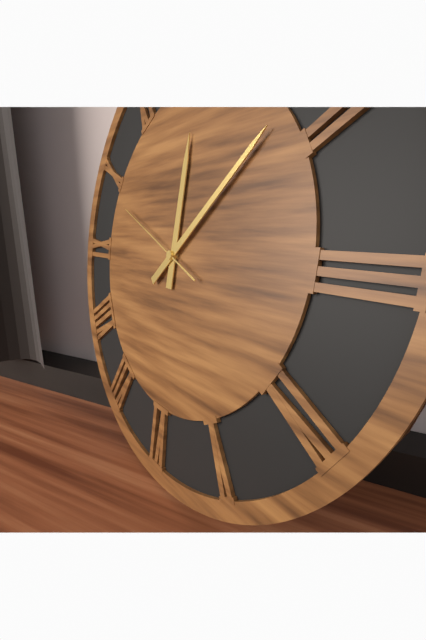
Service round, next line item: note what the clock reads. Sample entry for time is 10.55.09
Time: 12.08.49
